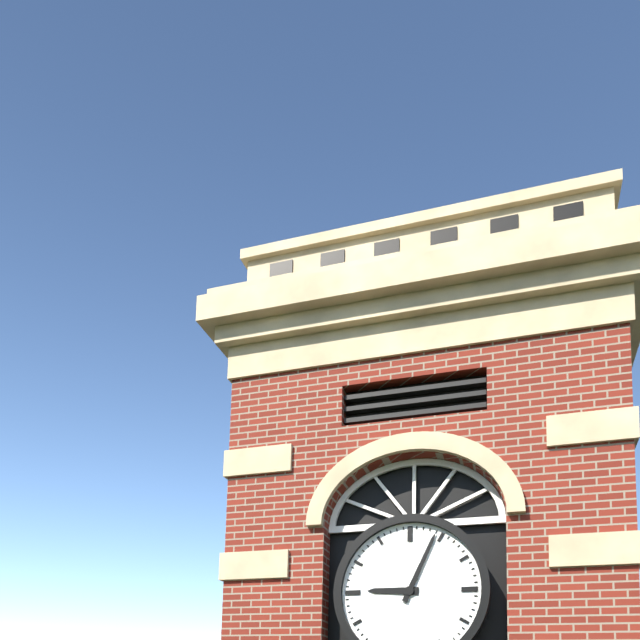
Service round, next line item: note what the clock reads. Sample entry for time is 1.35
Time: 9.04
